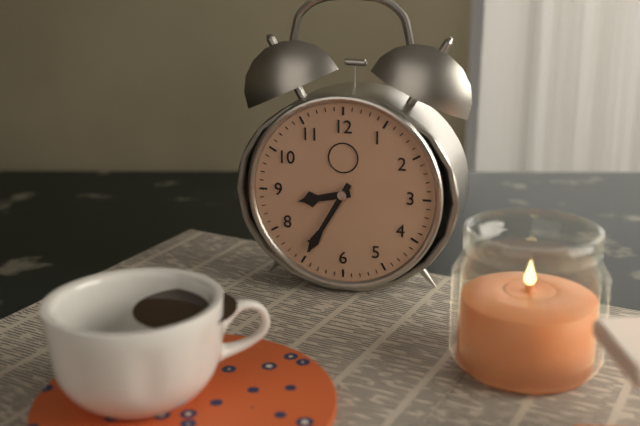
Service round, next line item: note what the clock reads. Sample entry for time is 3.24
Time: 8.35
